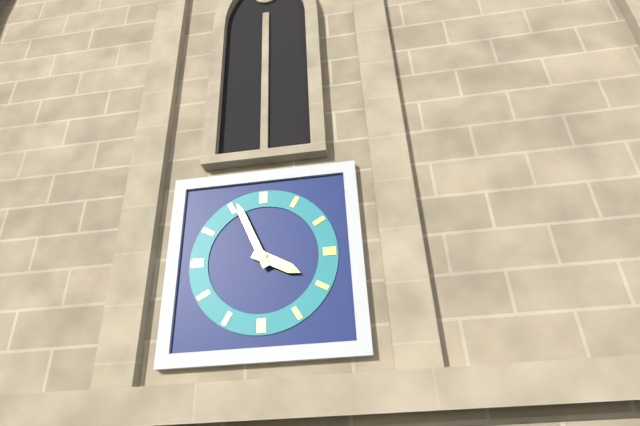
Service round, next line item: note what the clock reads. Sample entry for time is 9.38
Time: 3.56
